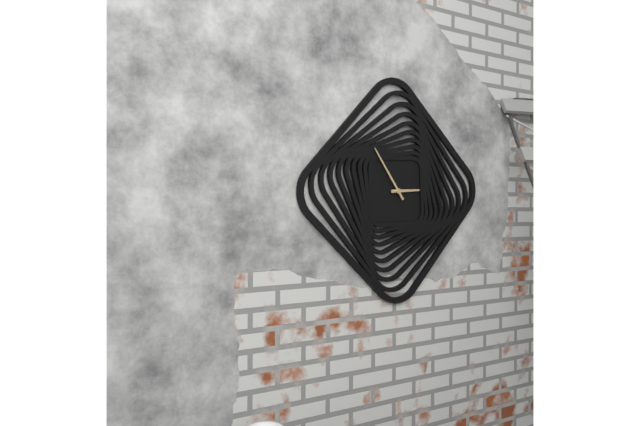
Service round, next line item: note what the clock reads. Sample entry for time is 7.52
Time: 2.54
